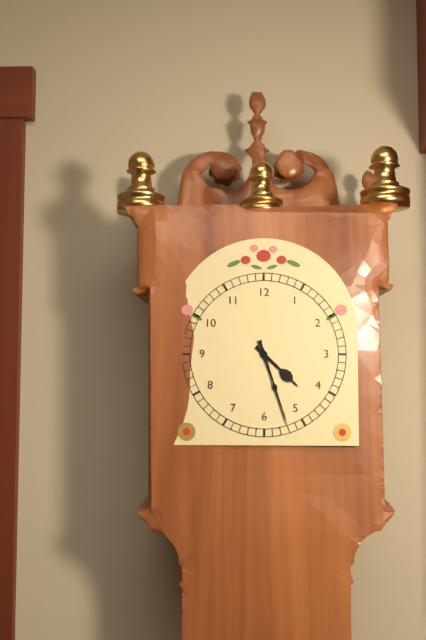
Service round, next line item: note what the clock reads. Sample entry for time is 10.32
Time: 4.27
